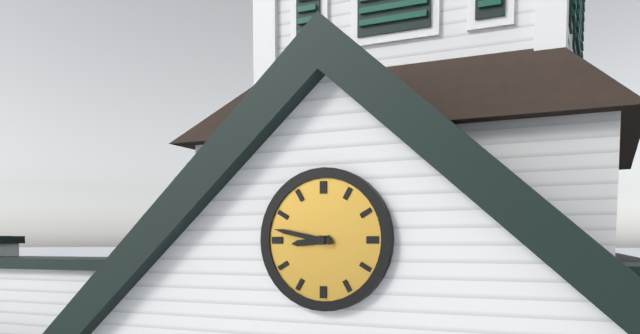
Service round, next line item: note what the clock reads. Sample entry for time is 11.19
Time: 8.47
